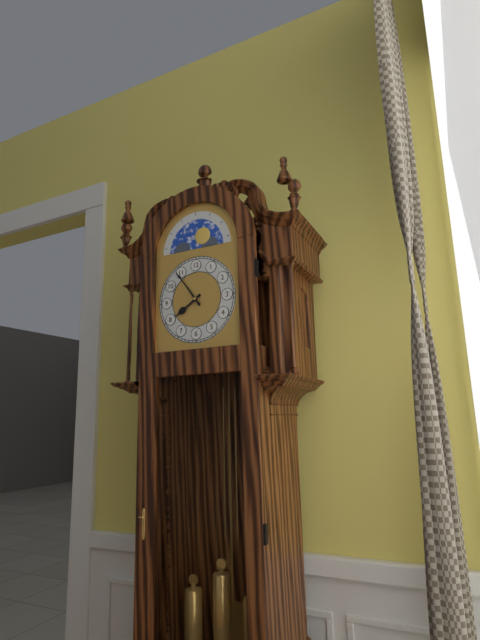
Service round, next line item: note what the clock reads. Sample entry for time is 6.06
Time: 7.54
